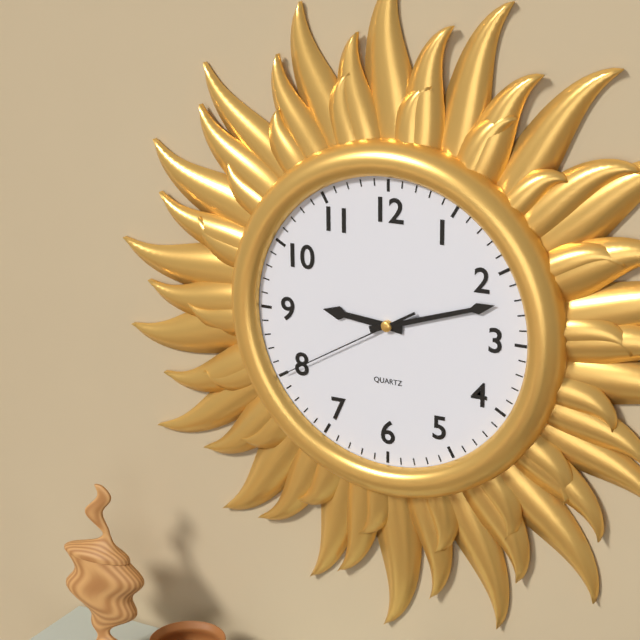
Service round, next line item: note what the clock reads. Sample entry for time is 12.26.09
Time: 9.12.40
